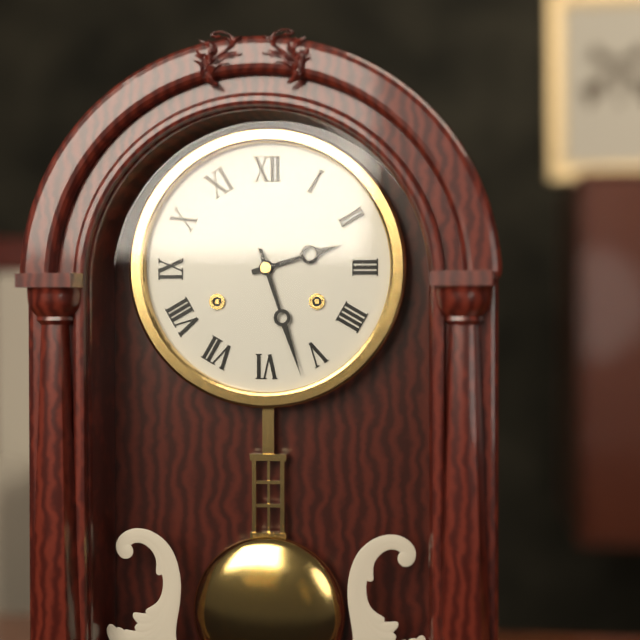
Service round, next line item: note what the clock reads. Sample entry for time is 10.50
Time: 2.27
